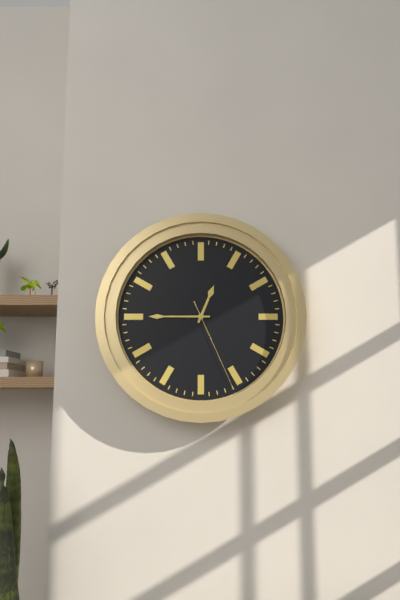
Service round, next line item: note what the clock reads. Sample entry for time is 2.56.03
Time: 12.45.26
